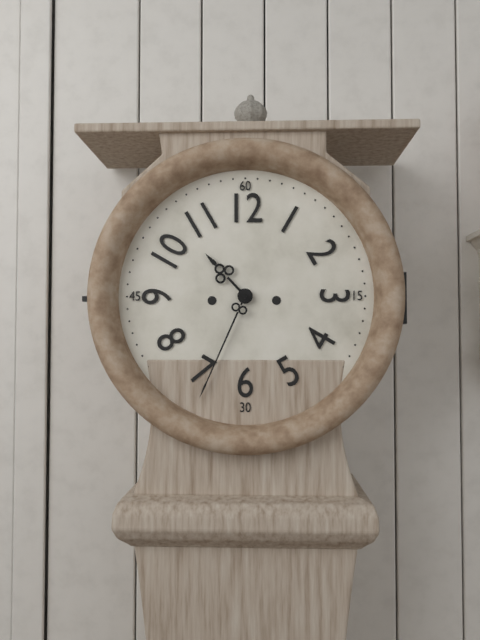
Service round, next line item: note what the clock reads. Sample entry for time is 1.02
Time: 10.34
